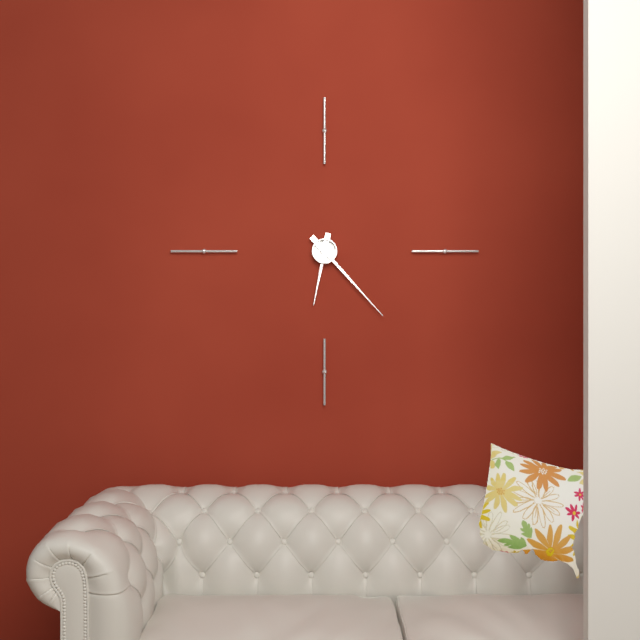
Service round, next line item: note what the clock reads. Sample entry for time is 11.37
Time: 6.23
